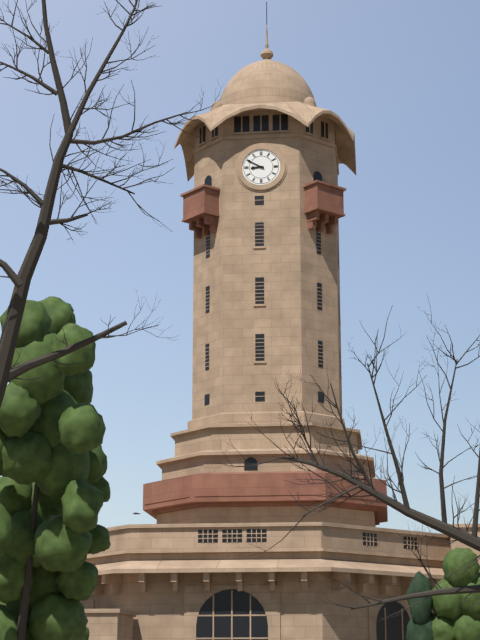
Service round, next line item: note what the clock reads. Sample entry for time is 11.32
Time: 8.50
